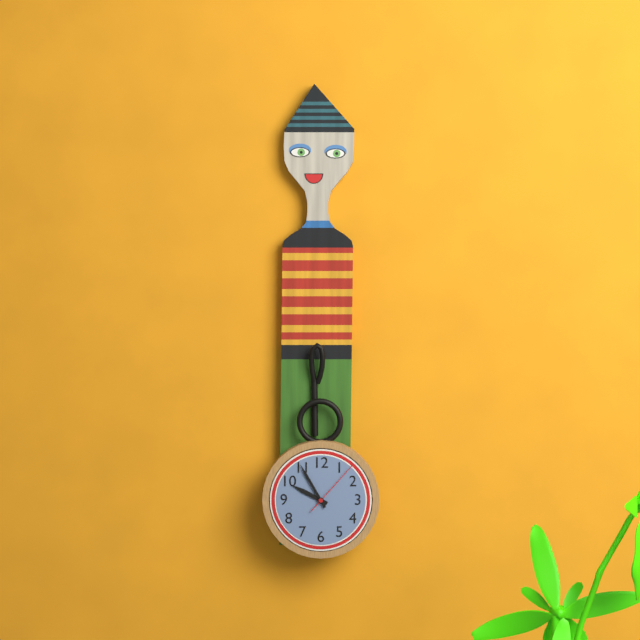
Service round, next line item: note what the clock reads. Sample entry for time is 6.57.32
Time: 9.55.07
